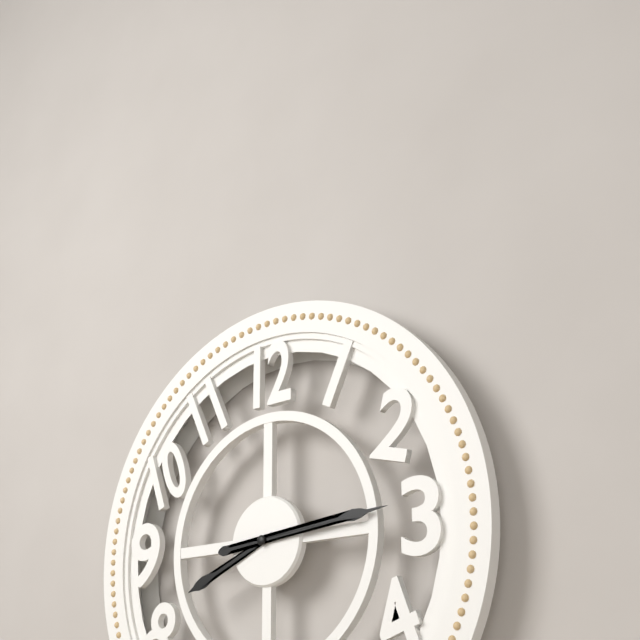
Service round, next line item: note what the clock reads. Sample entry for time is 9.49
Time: 8.14
